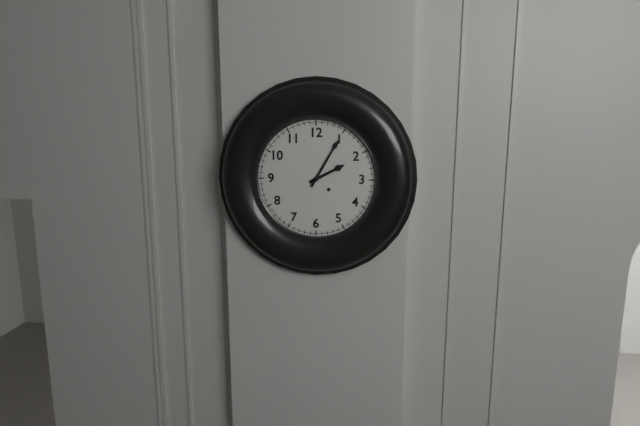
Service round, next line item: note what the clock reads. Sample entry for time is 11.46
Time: 2.05
